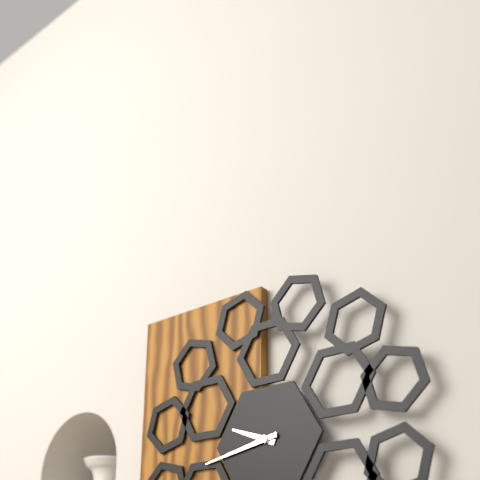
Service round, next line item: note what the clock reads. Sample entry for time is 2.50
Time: 9.43
